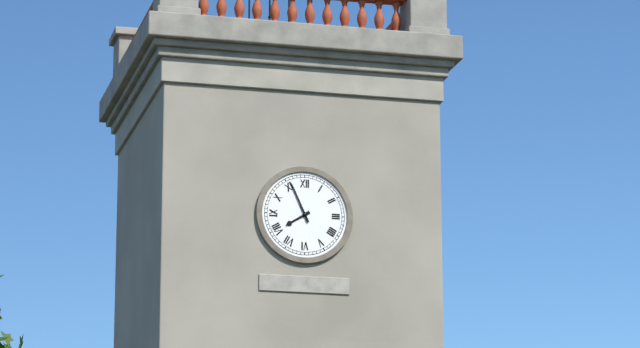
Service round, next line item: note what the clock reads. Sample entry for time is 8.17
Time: 7.56
